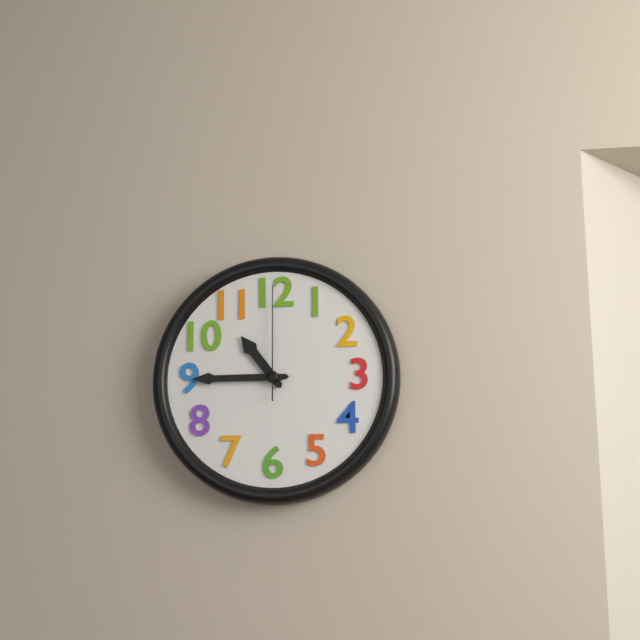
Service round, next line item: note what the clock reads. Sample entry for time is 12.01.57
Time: 10.45.00
